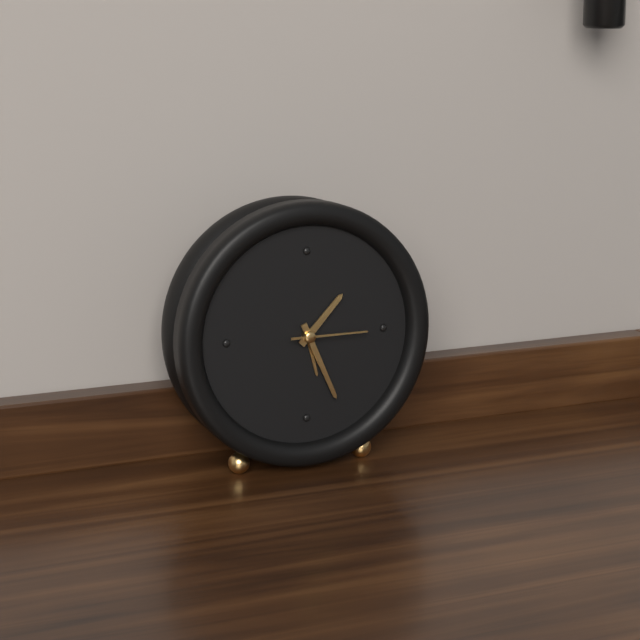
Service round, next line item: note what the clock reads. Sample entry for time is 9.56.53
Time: 1.26.15
